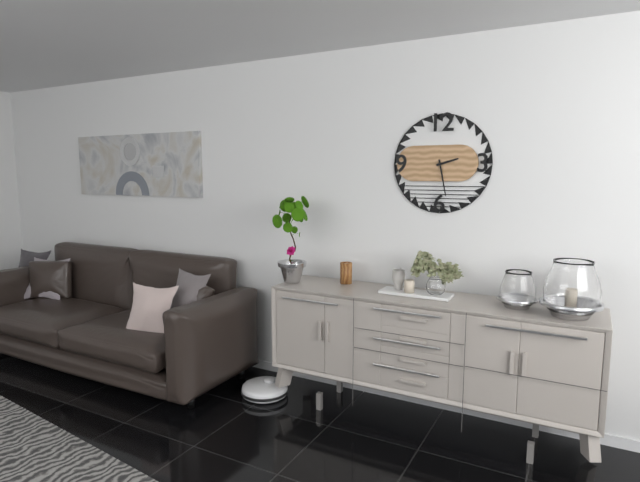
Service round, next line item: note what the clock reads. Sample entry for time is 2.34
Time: 2.28
